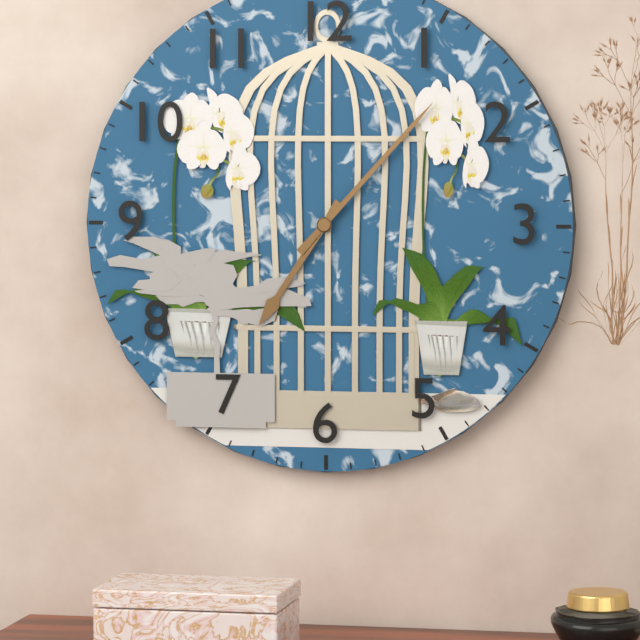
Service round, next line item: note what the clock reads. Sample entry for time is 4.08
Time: 7.07
